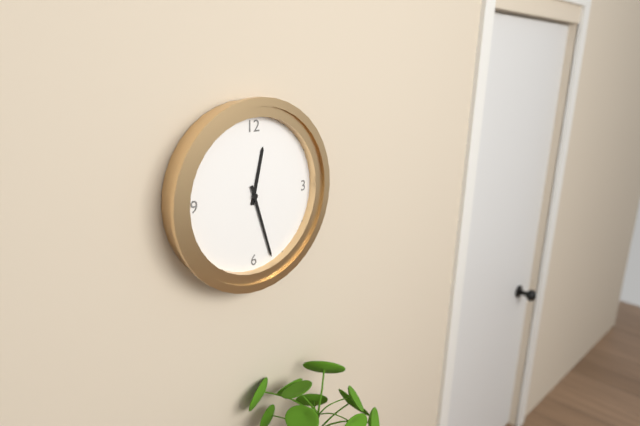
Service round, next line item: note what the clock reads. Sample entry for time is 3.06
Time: 12.27
